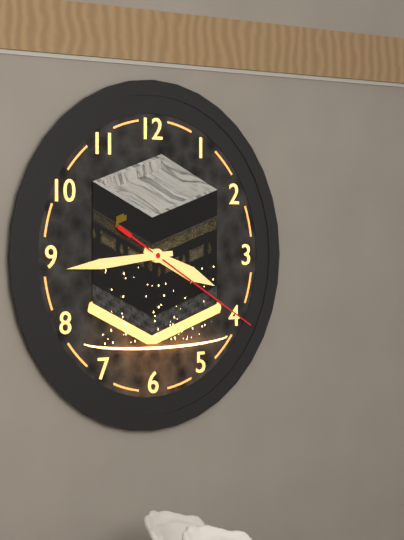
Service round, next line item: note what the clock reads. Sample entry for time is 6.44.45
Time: 3.44.20
